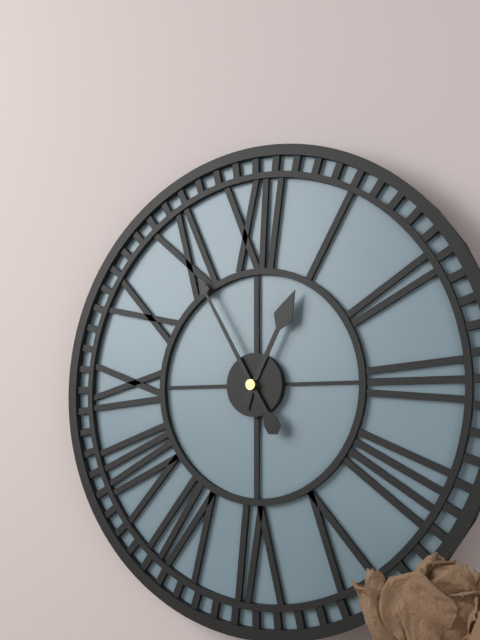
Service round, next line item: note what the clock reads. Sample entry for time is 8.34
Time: 12.55
